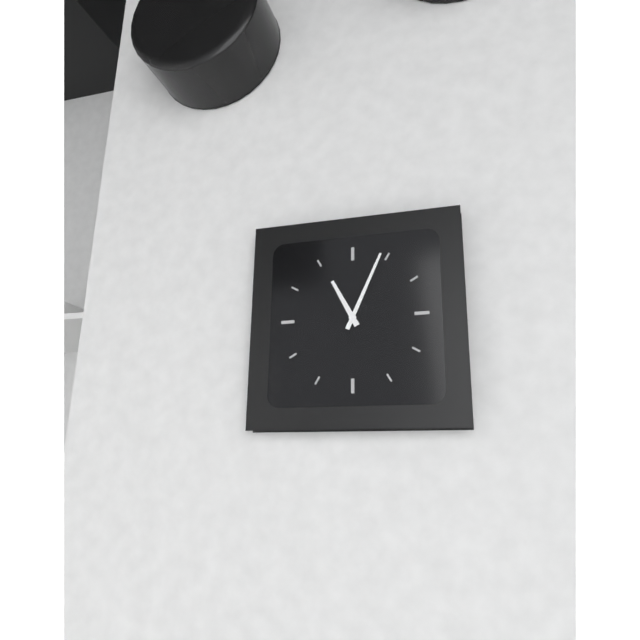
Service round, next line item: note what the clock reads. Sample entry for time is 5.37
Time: 11.04
